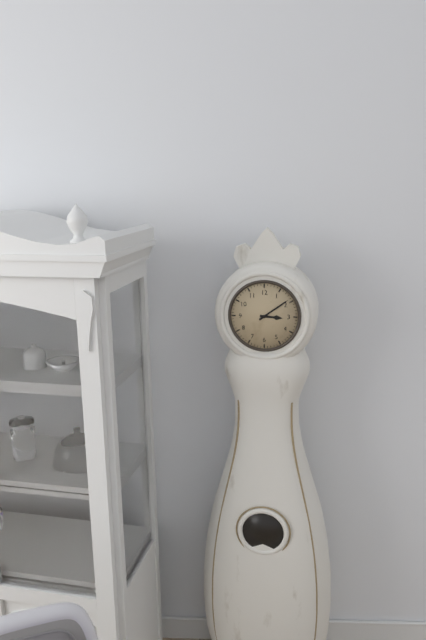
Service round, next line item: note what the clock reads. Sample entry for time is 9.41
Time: 3.09
